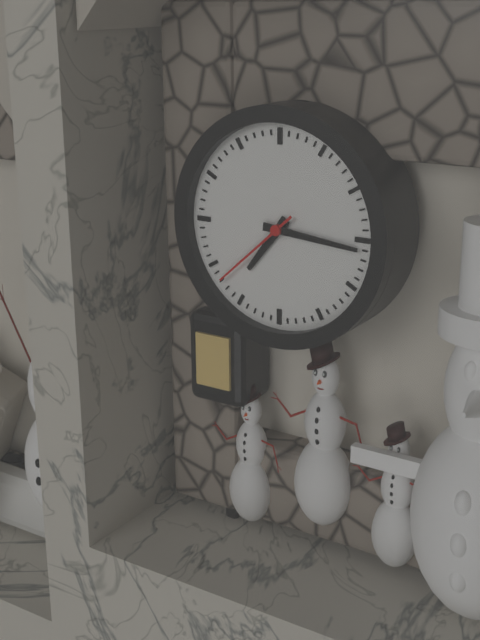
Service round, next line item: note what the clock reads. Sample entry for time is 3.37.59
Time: 7.16.38
